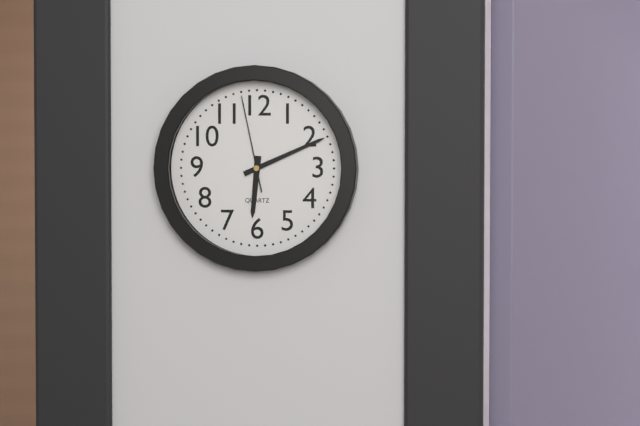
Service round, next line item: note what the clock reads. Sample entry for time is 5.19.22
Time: 6.11.58
